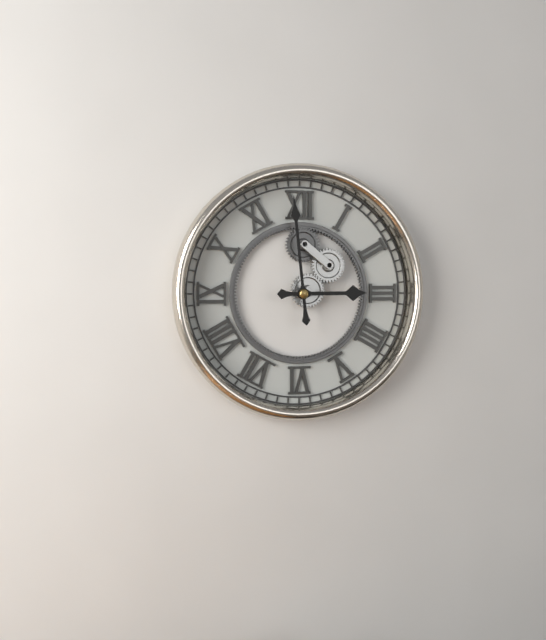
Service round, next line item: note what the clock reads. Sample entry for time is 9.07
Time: 2.59
